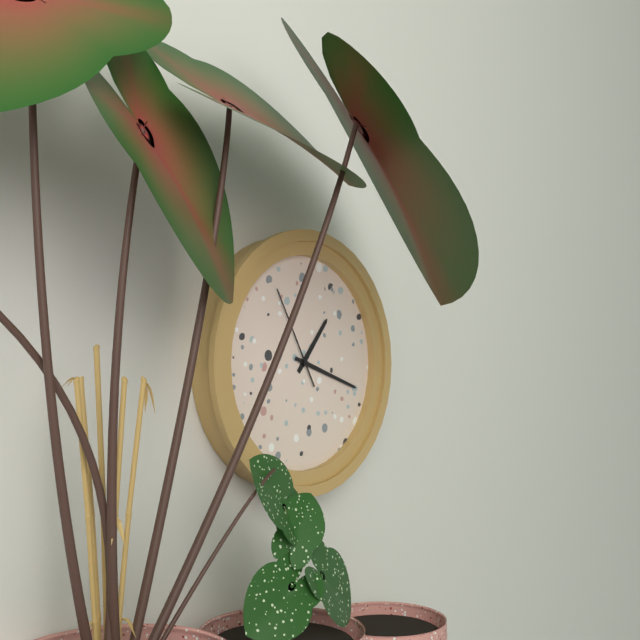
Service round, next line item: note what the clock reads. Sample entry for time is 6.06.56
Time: 1.18.55
